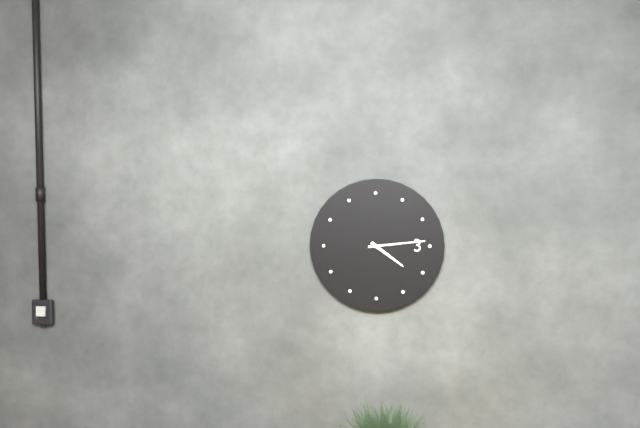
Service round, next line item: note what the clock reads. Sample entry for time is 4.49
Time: 4.14
